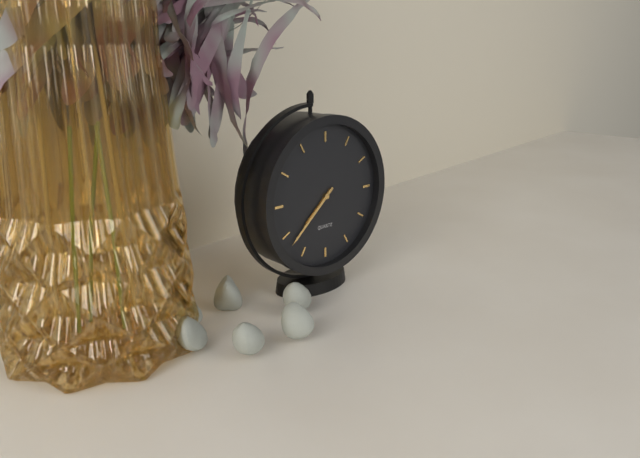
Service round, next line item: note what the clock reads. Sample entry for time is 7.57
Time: 7.38
